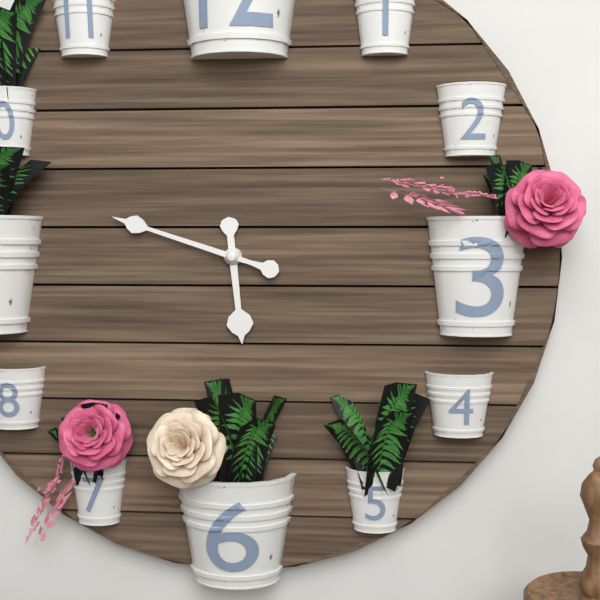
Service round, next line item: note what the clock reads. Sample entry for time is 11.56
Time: 5.48
